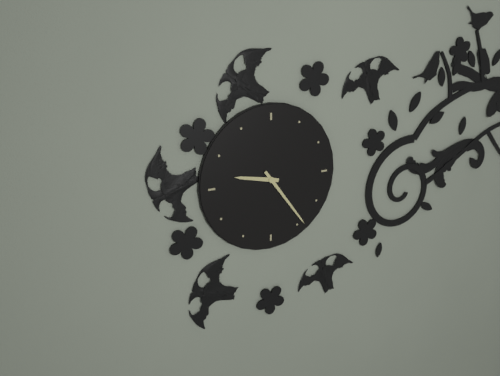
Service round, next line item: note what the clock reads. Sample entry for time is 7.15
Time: 9.24
